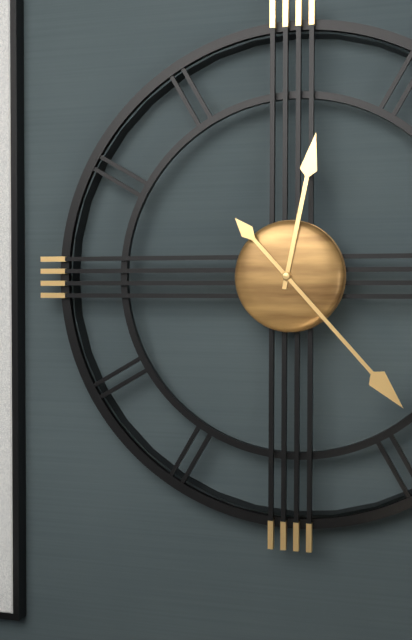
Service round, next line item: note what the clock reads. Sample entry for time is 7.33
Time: 12.23
